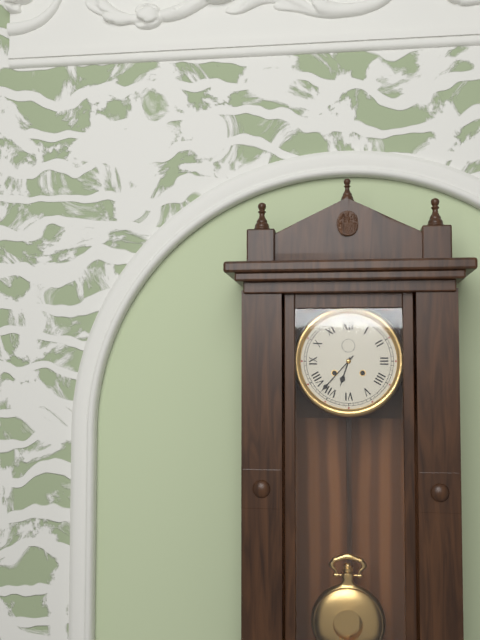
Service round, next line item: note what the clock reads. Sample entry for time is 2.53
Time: 6.37
